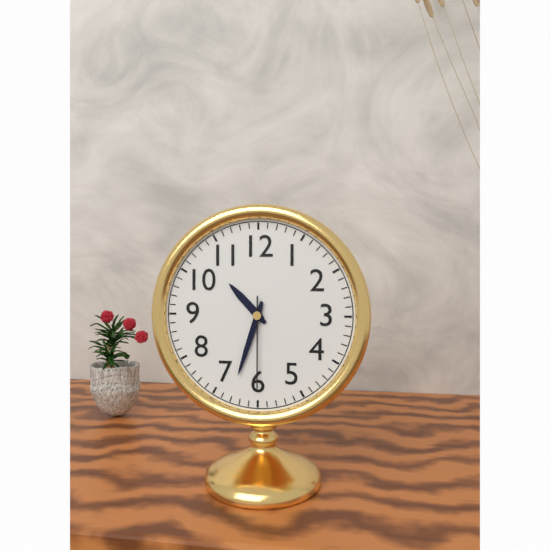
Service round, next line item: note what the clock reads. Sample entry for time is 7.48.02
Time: 10.33.30
